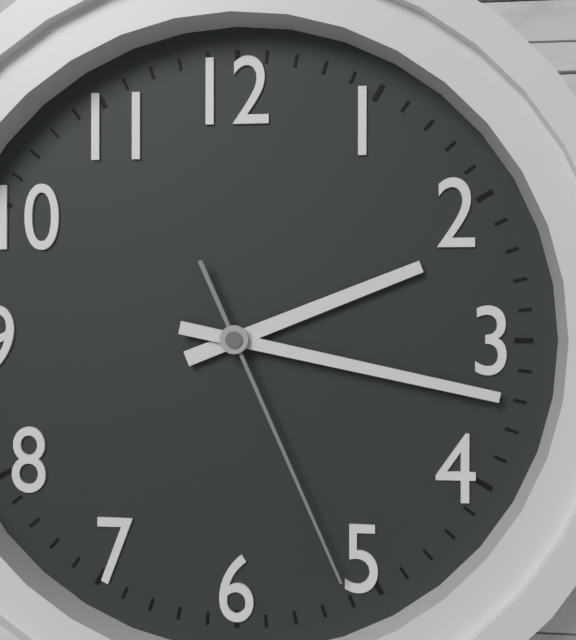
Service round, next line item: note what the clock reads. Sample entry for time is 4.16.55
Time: 2.17.26
